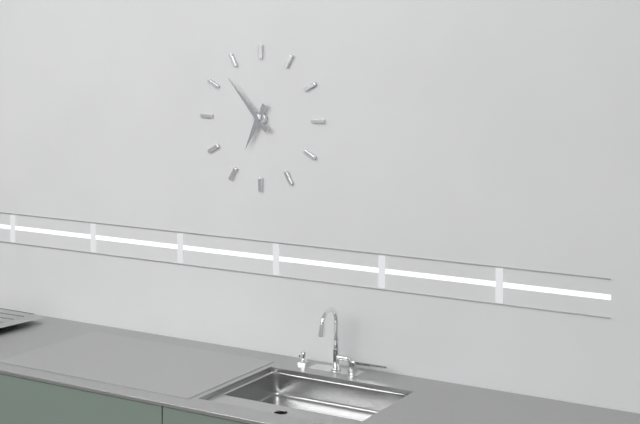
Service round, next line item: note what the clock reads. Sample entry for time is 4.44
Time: 6.53
